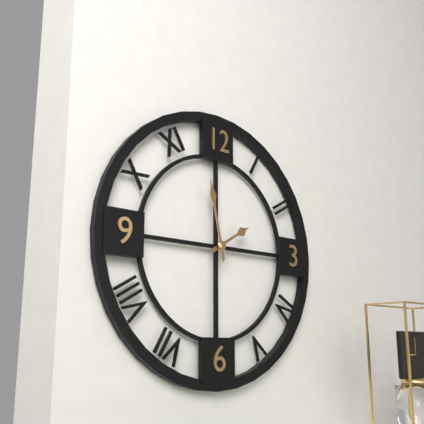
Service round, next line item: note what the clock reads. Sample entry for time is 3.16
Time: 1.58
